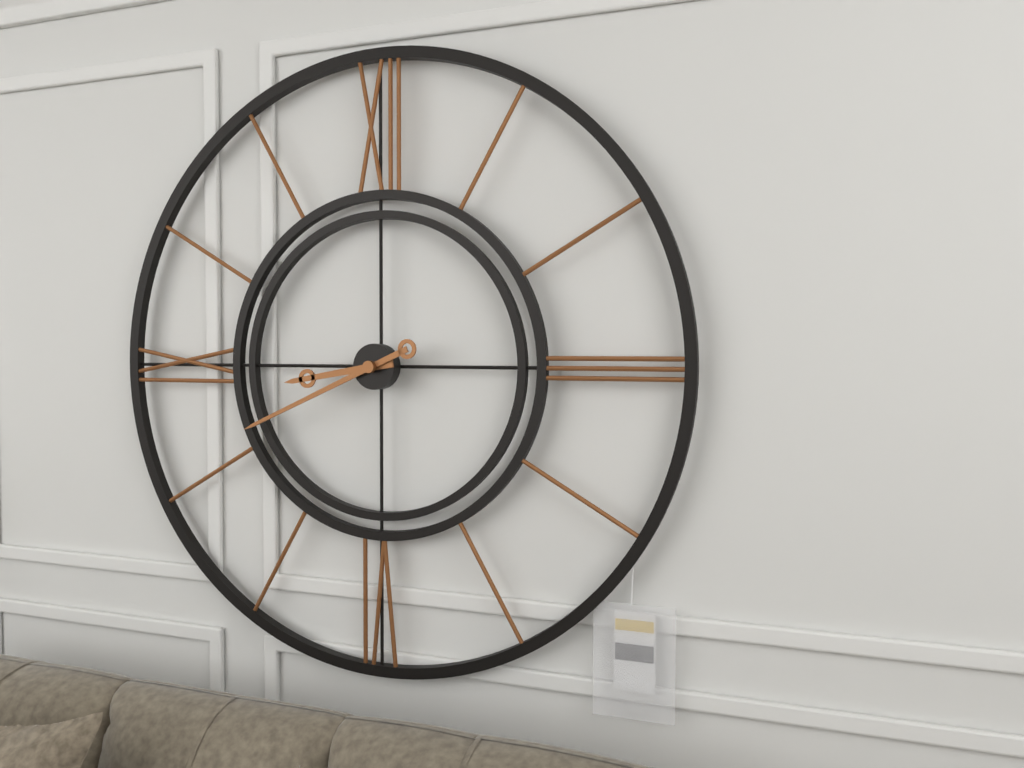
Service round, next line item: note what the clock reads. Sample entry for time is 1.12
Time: 8.41
